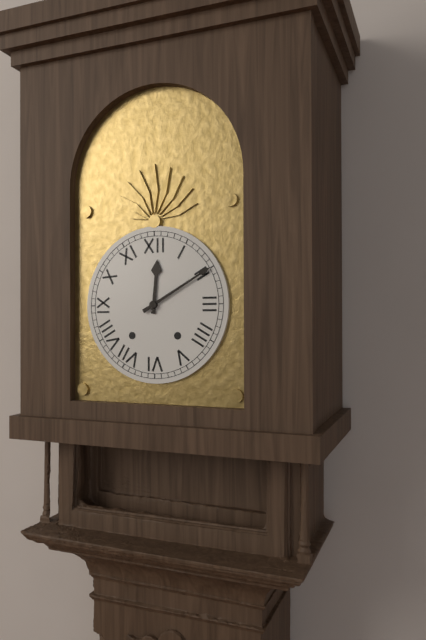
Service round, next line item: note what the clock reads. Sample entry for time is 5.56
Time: 12.10
